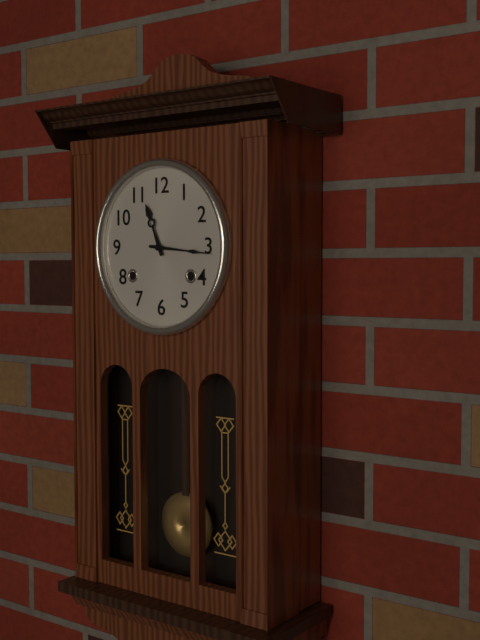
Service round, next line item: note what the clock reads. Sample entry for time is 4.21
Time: 11.16
